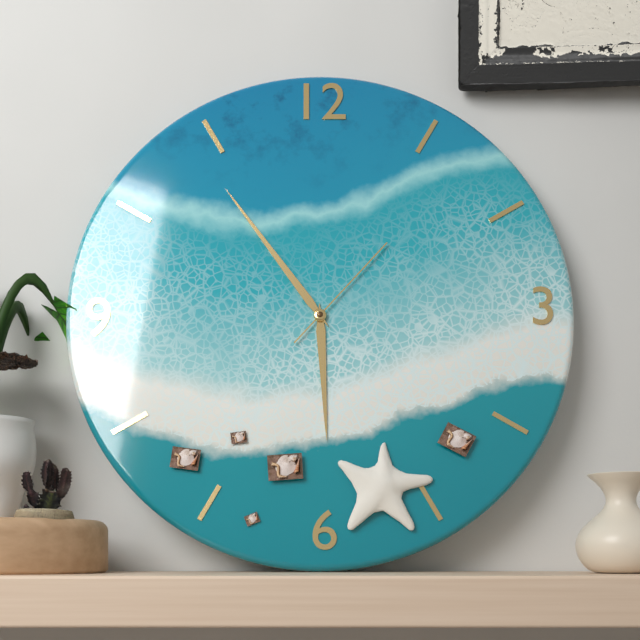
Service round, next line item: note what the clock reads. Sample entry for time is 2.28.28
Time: 5.54.07
